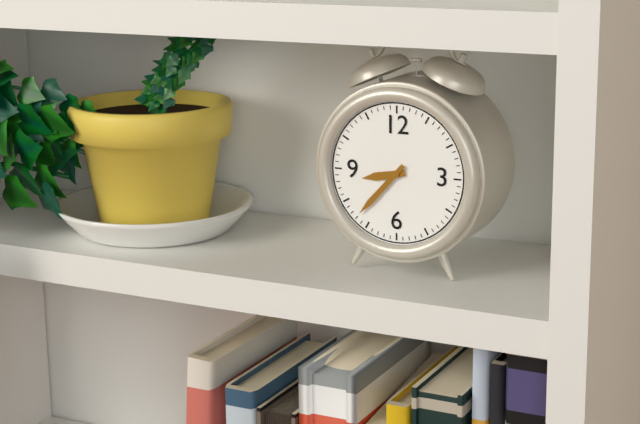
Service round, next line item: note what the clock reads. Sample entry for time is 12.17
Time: 8.37
